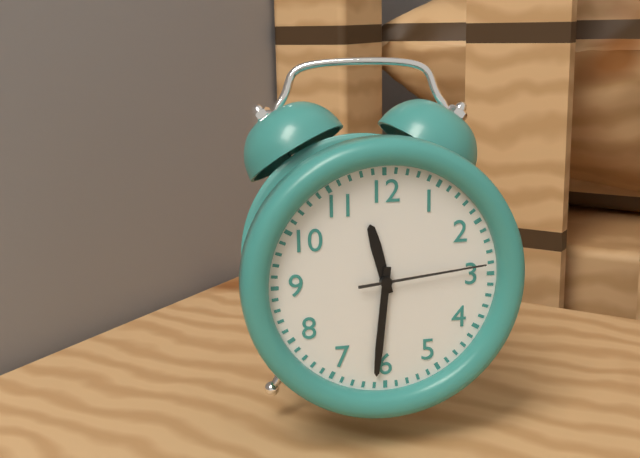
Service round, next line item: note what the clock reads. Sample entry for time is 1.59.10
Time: 11.31.14
